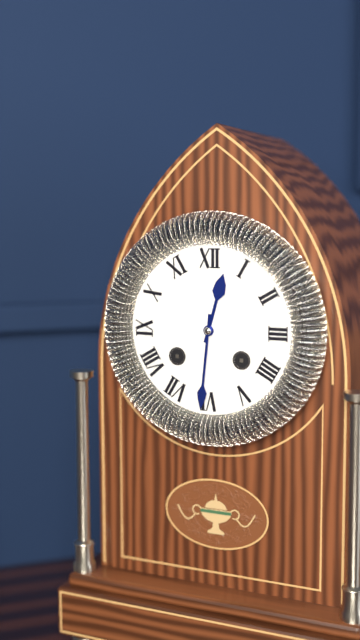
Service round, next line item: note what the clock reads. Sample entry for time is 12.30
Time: 12.31
